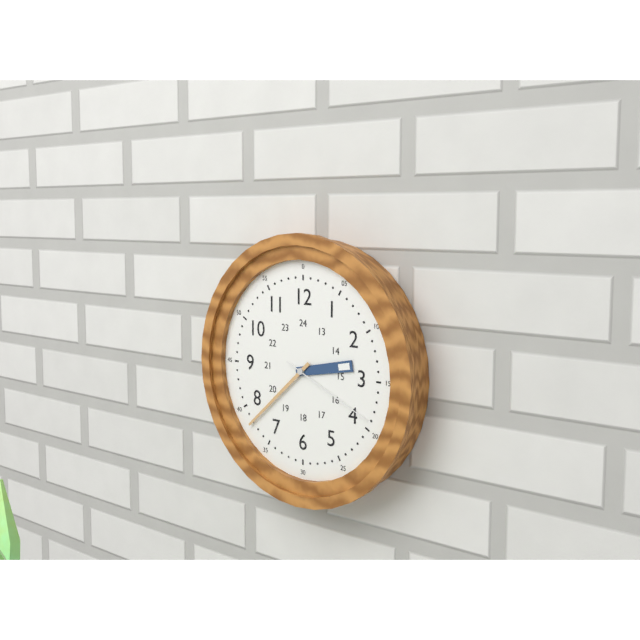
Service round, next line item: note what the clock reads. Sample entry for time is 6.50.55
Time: 2.38.19
